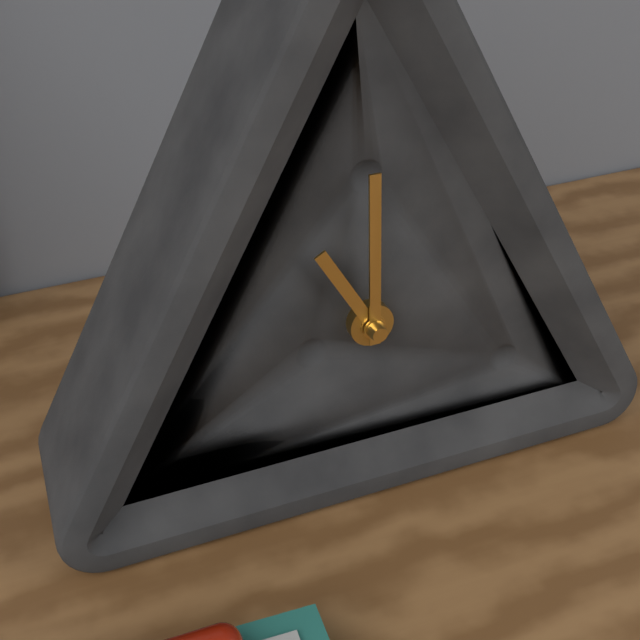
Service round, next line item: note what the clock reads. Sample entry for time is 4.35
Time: 11.00
